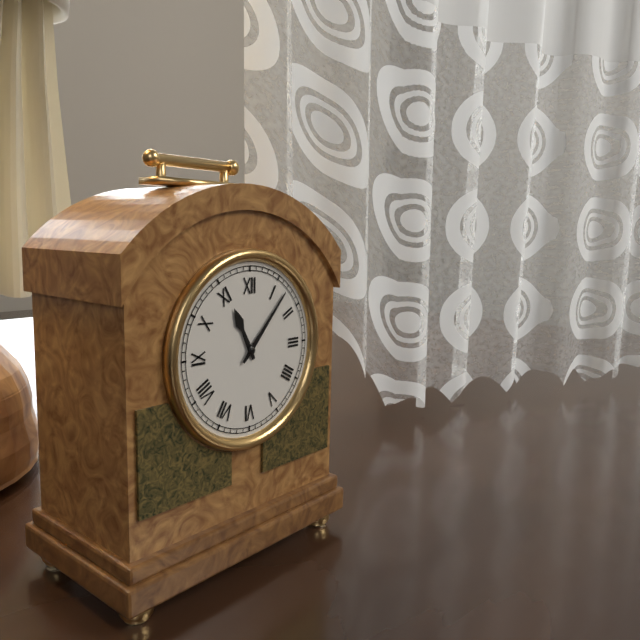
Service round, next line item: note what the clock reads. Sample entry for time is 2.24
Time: 11.07
